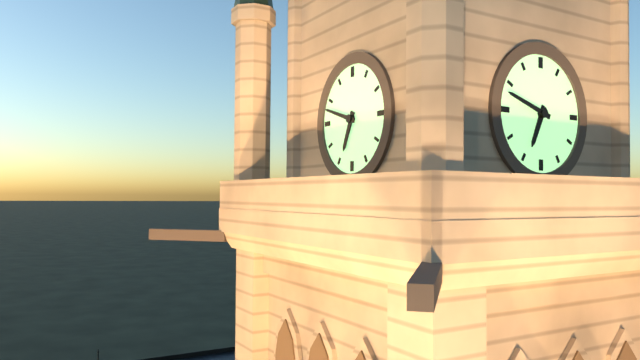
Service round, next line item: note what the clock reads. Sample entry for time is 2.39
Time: 6.48
